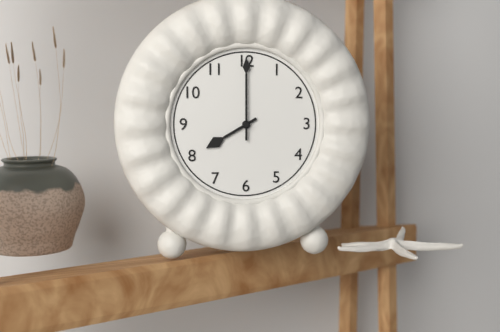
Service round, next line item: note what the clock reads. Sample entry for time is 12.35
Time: 8.00
